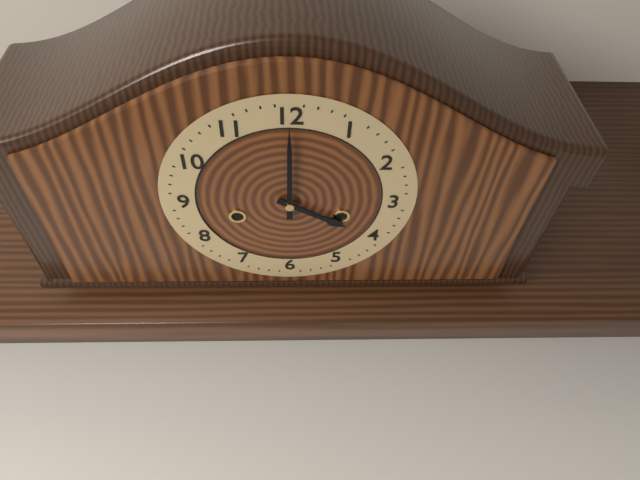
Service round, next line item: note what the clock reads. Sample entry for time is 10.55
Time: 4.00
